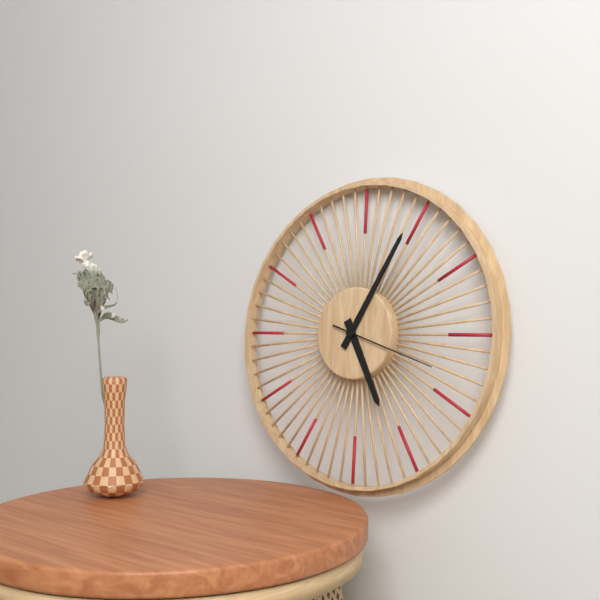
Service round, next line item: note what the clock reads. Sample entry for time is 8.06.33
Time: 5.05.18
